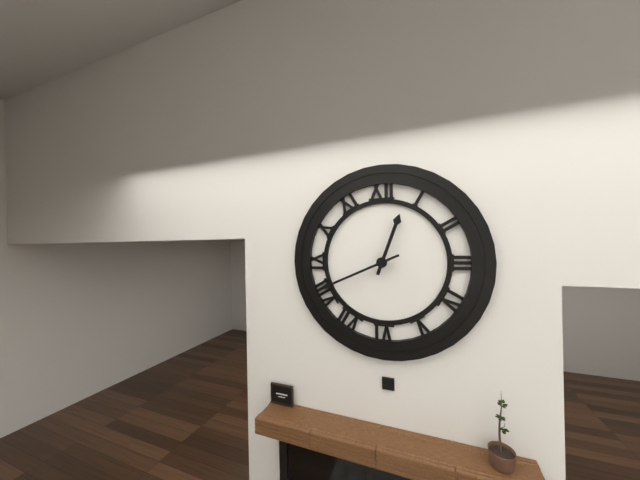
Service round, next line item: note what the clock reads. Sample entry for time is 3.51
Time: 12.41
